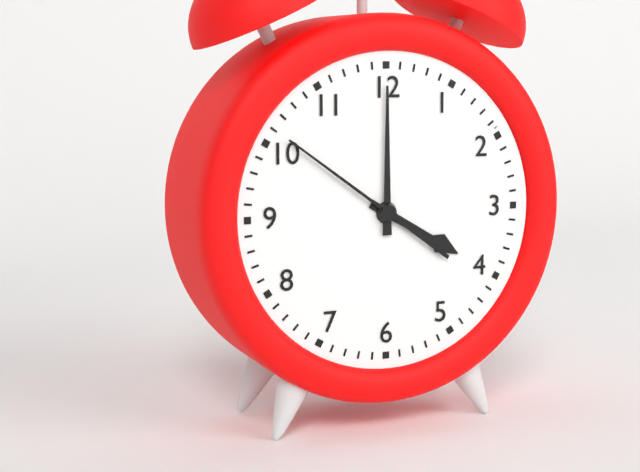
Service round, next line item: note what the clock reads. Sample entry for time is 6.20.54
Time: 4.00.51
